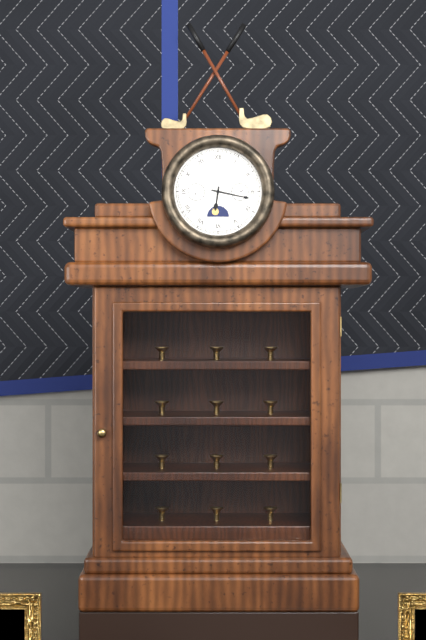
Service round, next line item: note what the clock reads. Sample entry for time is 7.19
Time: 6.17
